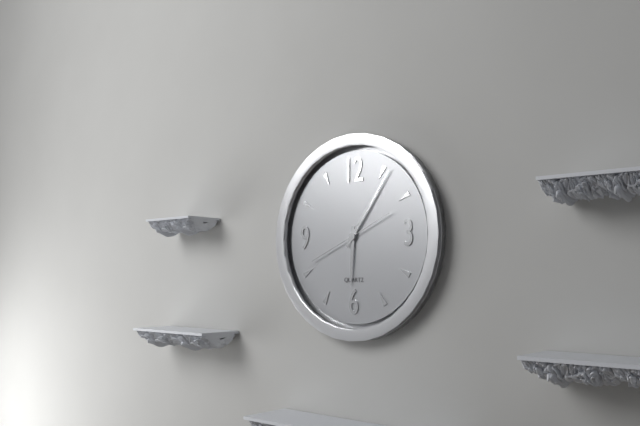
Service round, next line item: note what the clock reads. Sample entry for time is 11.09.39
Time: 6.06.41
